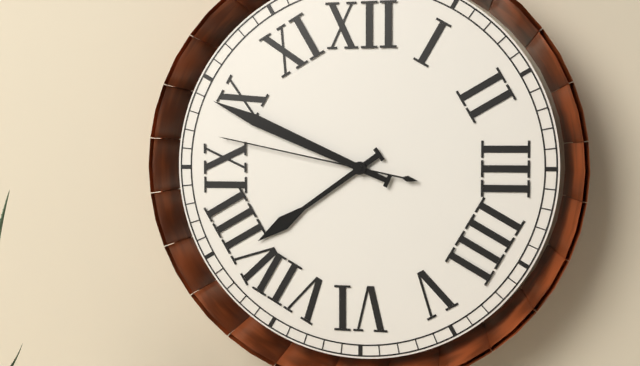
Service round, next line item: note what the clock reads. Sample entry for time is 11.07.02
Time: 7.49.47
